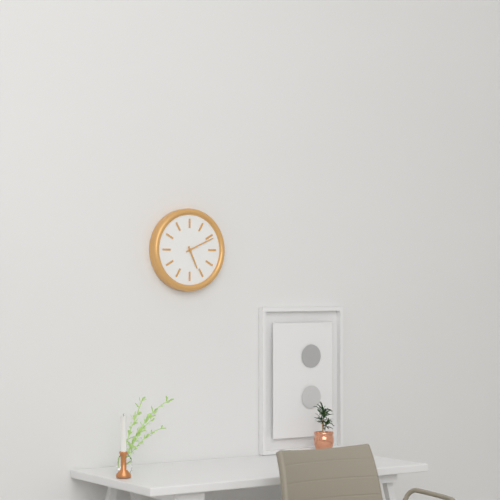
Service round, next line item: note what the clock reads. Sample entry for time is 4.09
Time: 5.11
